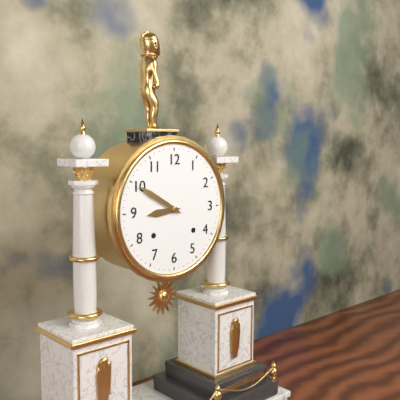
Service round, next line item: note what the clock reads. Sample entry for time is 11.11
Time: 8.50
